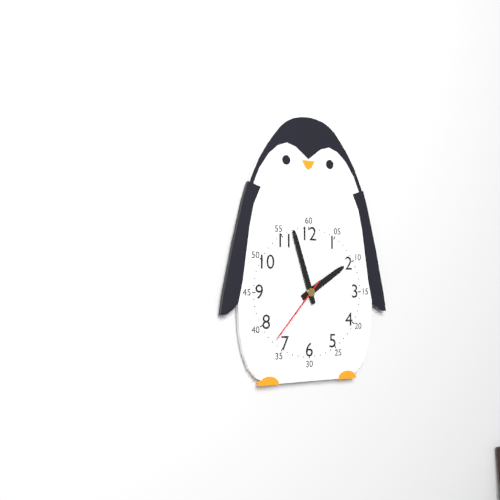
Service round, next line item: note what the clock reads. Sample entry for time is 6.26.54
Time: 1.57.37
